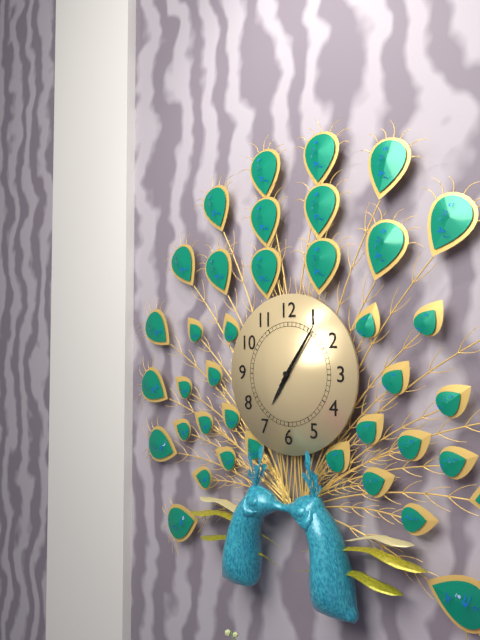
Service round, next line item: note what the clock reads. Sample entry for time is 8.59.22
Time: 7.06.06
